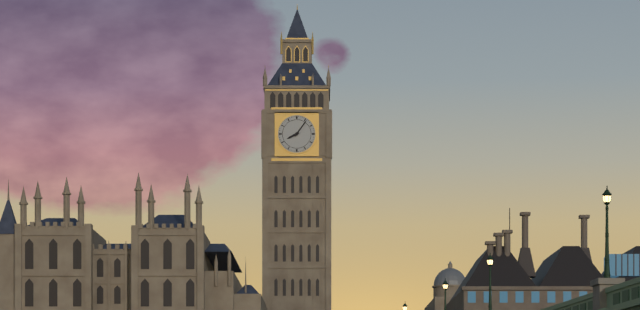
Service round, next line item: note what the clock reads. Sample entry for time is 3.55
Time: 8.06
